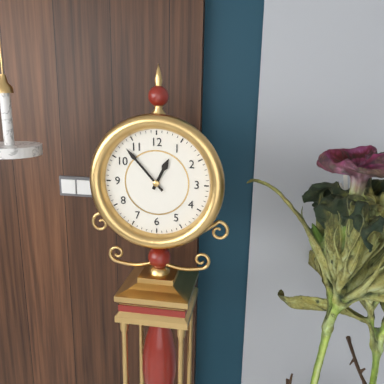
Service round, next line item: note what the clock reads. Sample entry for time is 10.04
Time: 12.53
